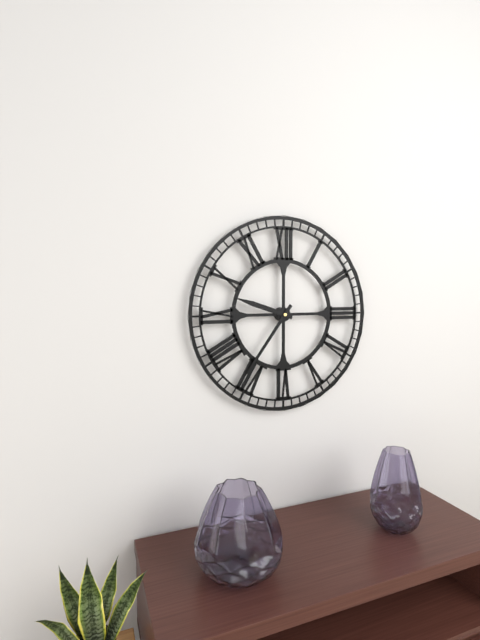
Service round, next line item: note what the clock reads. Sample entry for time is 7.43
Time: 9.36
